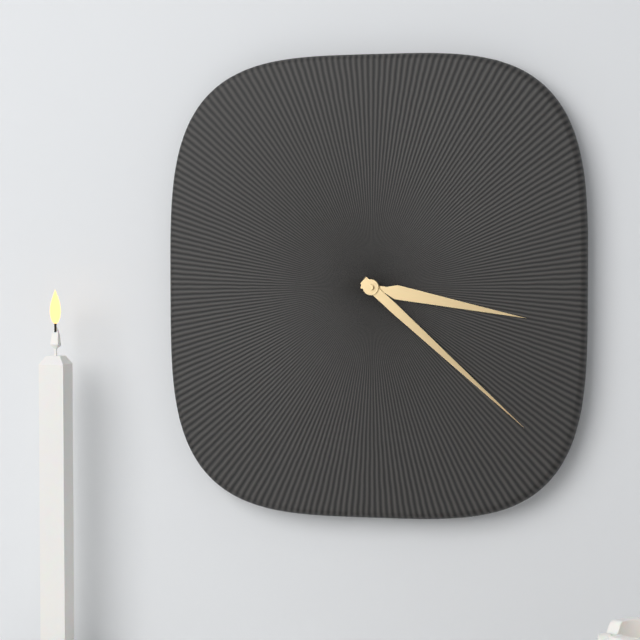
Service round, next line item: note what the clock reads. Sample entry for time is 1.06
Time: 3.22
